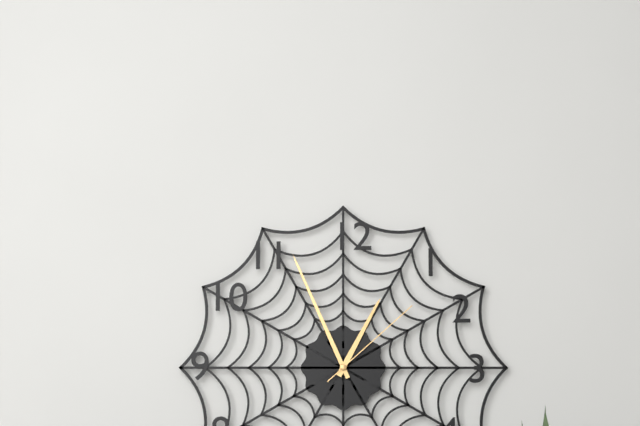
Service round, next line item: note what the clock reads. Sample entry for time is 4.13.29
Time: 12.56.08
